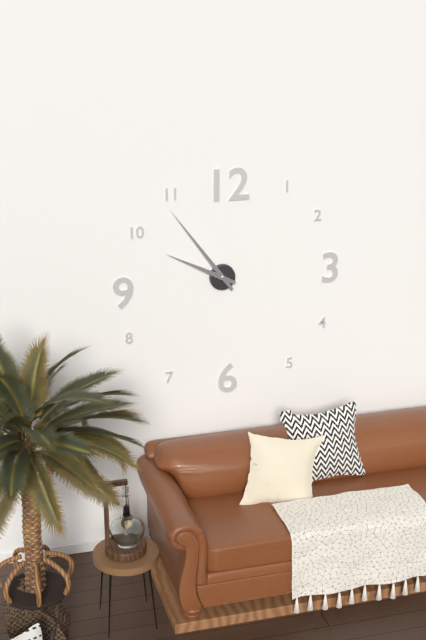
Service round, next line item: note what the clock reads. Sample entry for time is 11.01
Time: 9.54
